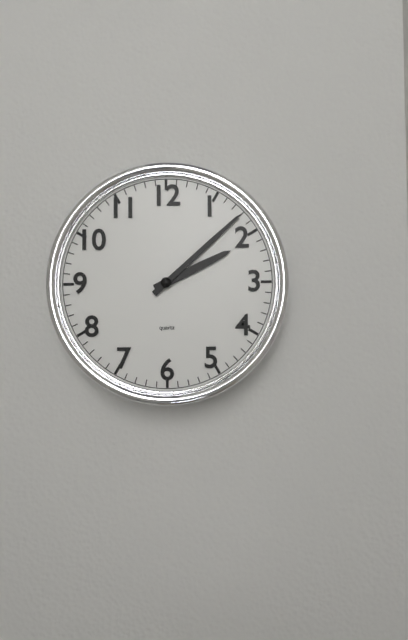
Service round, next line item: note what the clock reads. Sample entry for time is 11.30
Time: 2.08
